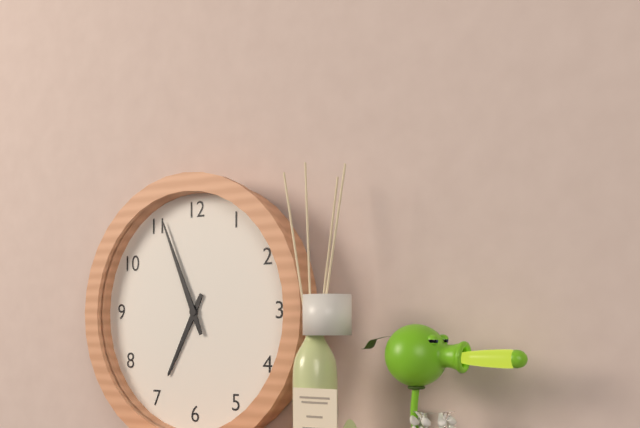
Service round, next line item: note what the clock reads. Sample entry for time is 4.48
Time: 6.56
